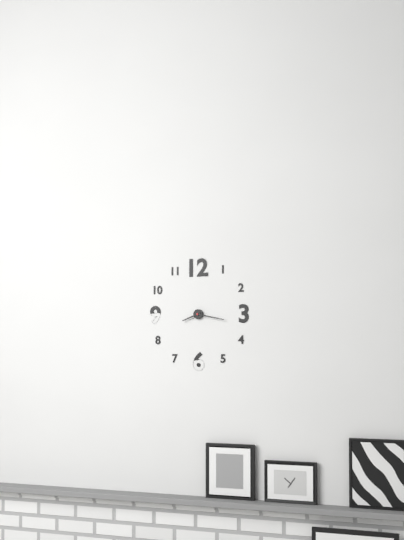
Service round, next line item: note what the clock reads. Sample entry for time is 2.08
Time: 8.17
